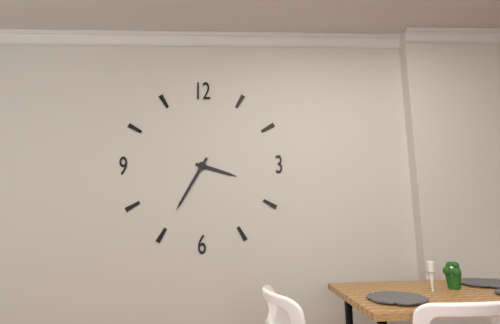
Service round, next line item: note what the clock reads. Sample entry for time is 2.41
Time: 3.35
